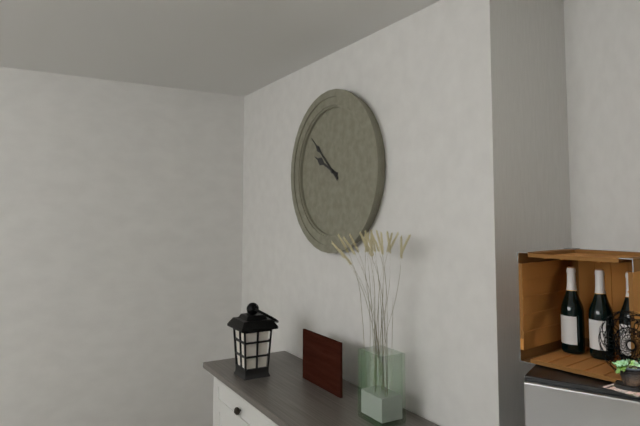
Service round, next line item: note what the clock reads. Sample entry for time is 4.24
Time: 9.52
